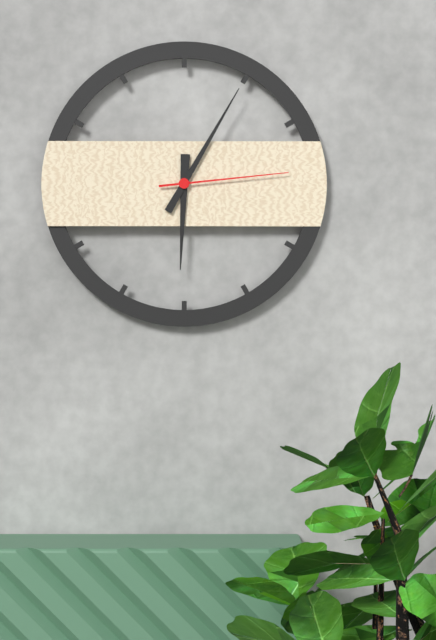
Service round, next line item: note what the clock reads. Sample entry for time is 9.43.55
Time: 6.05.14
